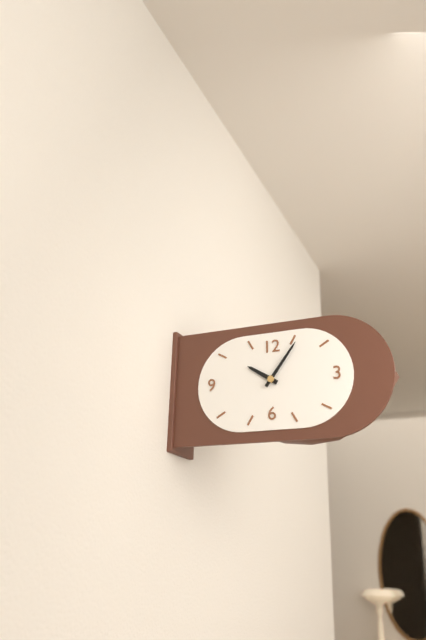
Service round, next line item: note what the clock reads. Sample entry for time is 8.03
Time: 10.06
